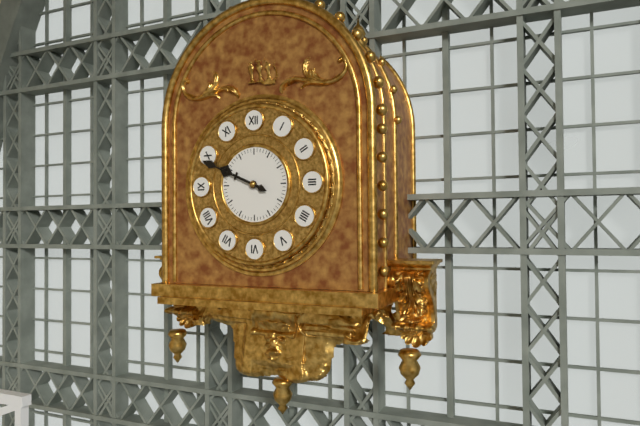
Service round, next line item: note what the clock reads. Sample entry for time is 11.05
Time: 9.49
